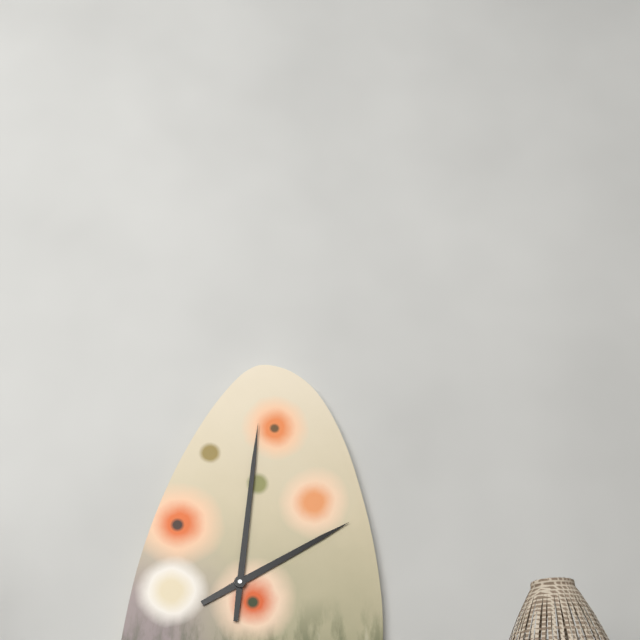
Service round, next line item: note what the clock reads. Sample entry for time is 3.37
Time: 2.01
